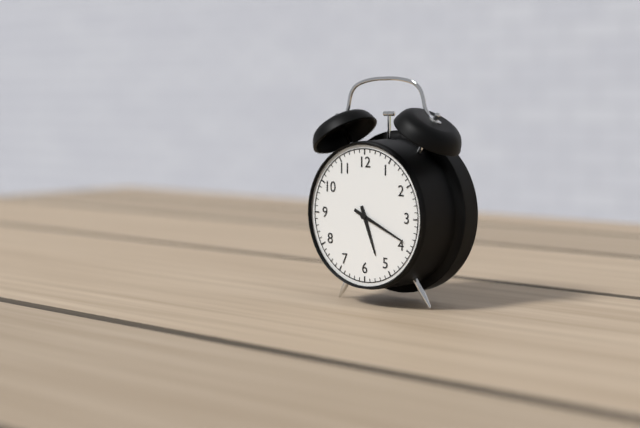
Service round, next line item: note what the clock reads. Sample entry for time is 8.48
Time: 5.19
